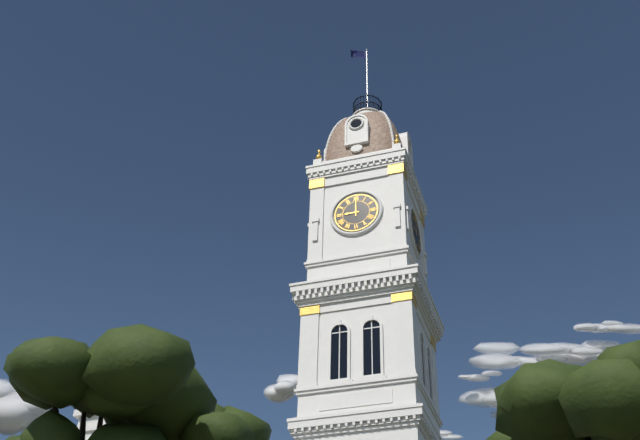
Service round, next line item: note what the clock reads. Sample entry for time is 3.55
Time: 9.00
